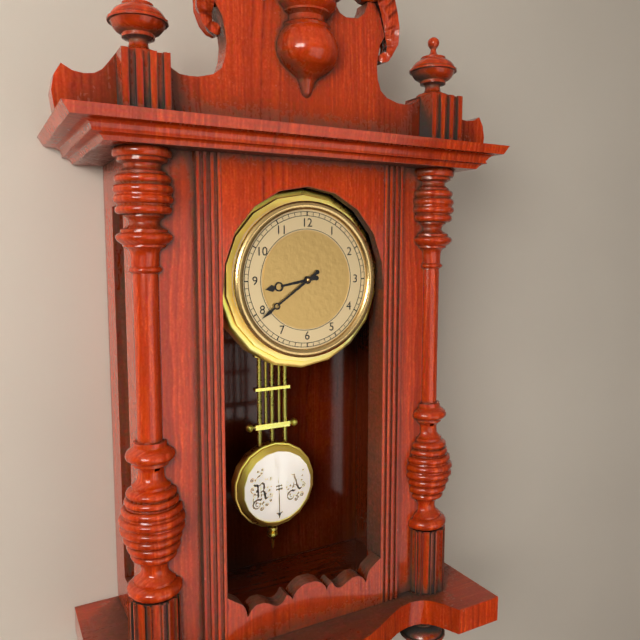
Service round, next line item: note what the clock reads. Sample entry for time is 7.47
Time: 8.39
